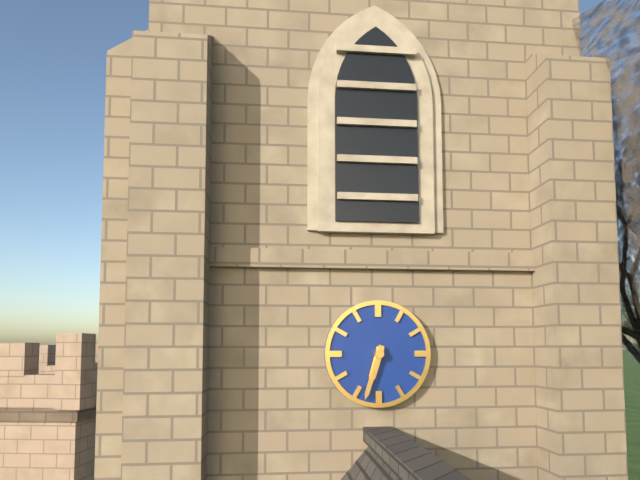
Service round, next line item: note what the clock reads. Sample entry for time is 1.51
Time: 6.33
